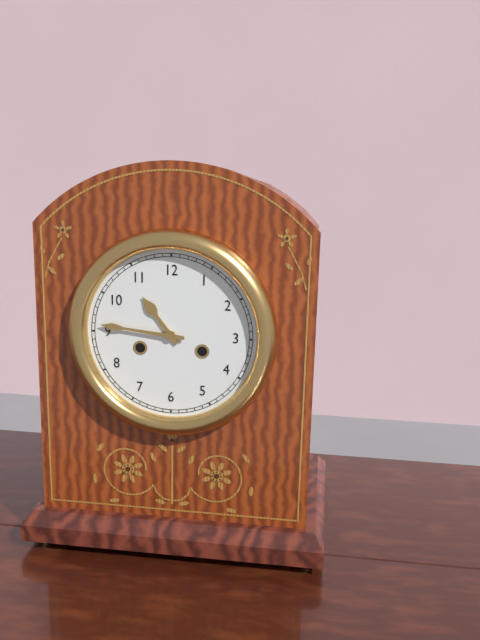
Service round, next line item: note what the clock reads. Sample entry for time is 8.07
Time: 10.46
